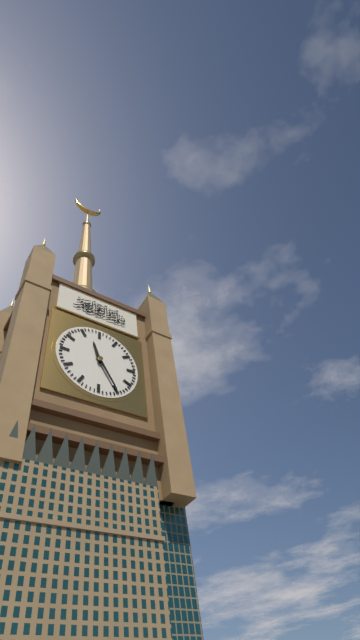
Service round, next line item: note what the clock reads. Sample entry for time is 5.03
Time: 11.25
